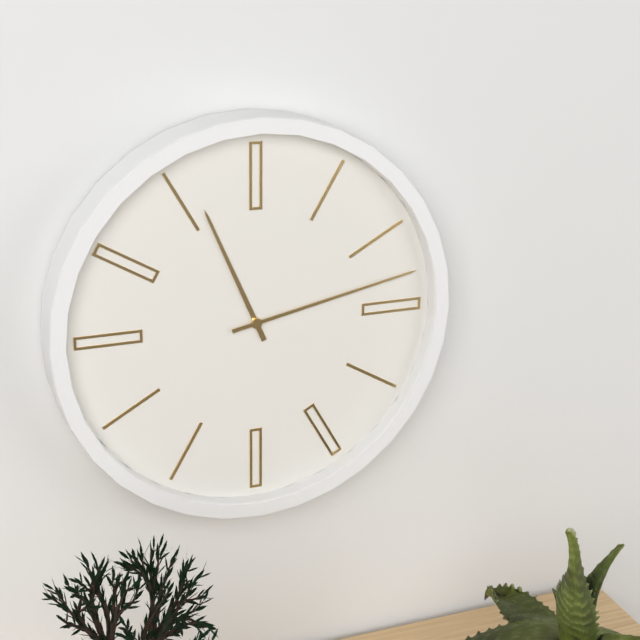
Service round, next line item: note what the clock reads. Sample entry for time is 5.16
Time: 11.13
